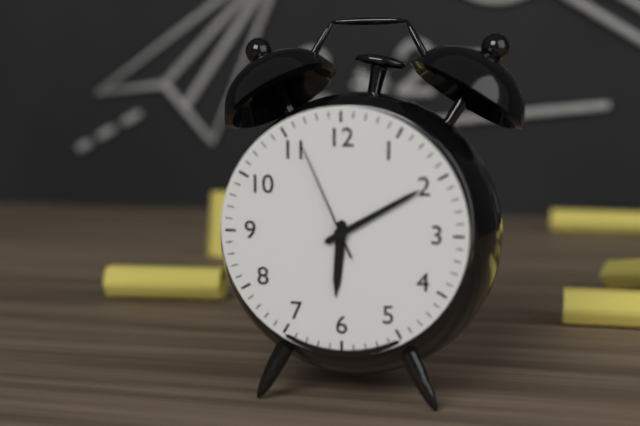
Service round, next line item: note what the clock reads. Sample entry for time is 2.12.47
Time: 6.10.56
